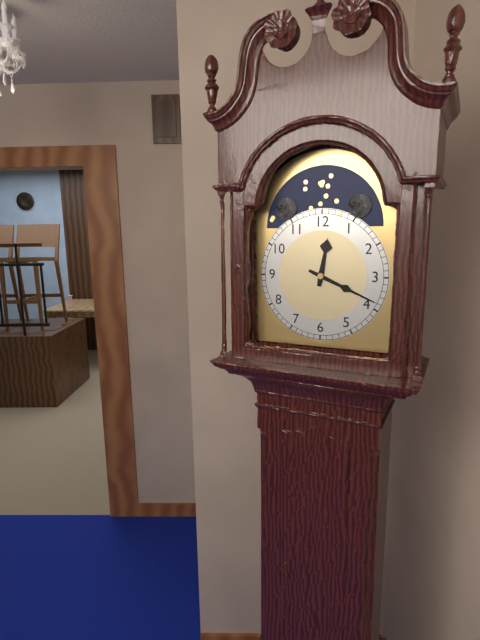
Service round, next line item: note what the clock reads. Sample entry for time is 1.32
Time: 12.19
